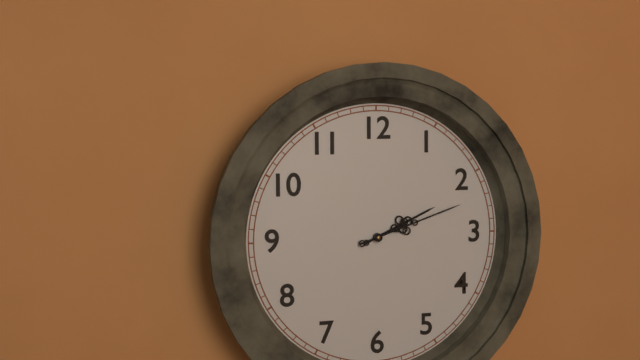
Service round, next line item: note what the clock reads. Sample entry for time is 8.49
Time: 2.12
